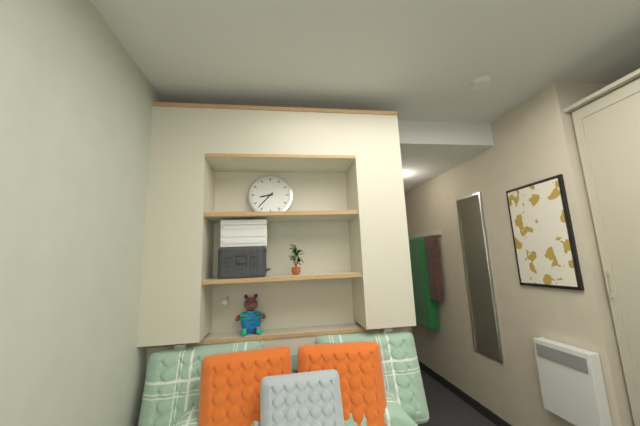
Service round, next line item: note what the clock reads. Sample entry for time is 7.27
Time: 8.37
